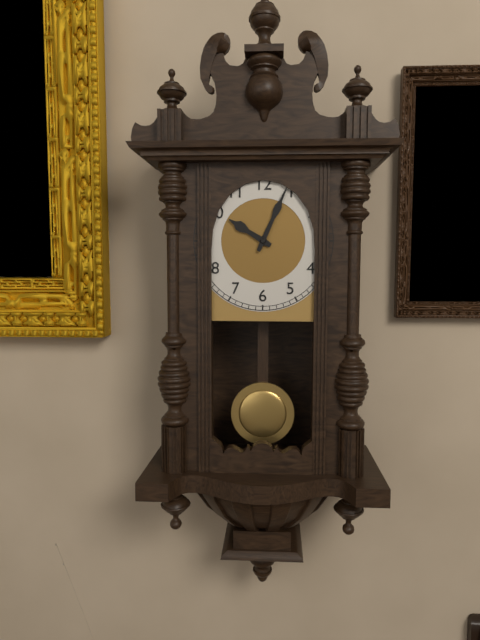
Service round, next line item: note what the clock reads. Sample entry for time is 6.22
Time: 10.04
